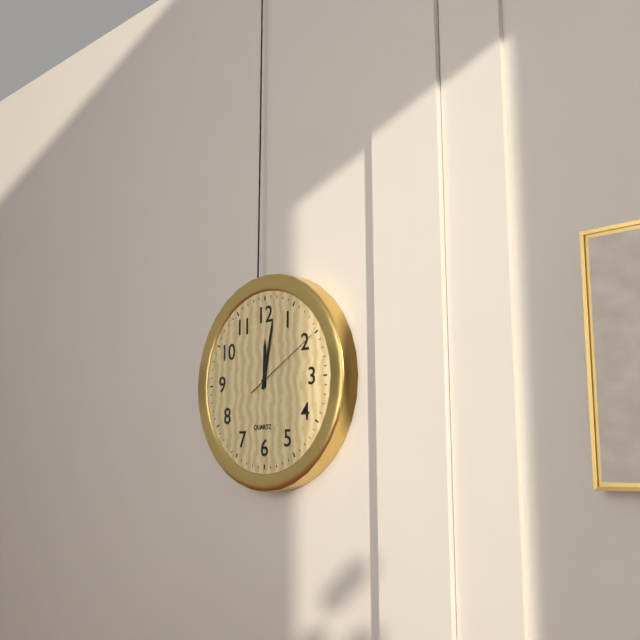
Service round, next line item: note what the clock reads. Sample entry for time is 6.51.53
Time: 12.02.10
